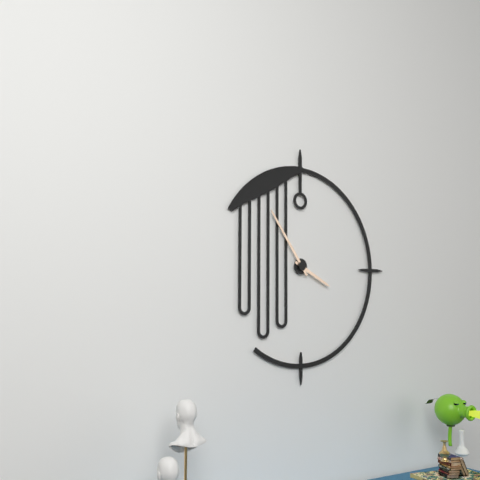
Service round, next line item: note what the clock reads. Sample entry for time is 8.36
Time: 3.54
